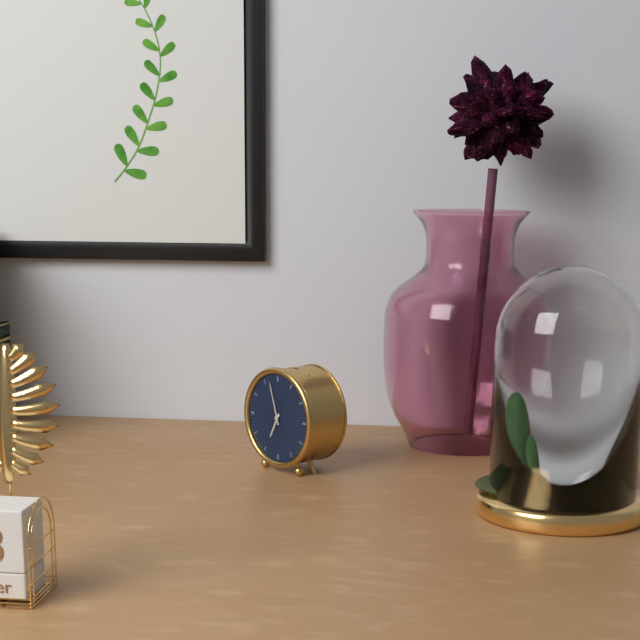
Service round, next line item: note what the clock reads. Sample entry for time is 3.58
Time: 6.57
